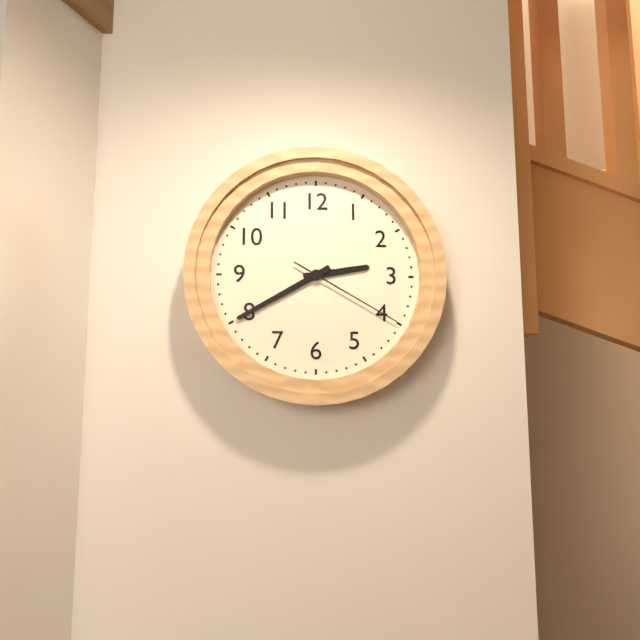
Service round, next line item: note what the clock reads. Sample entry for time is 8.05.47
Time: 2.40.20
